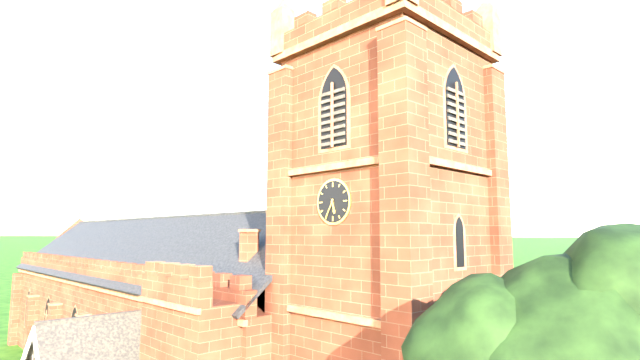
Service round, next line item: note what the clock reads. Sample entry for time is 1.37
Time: 5.35
